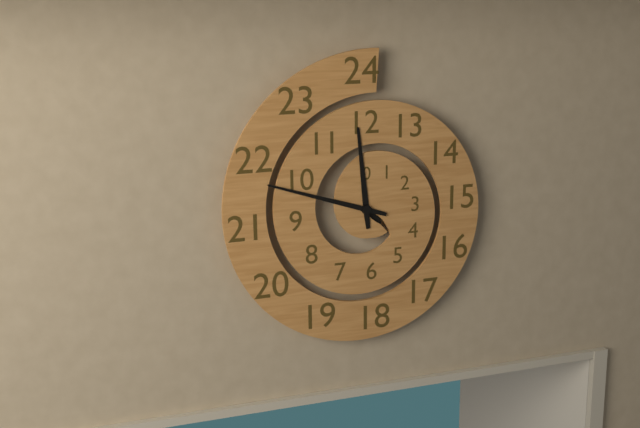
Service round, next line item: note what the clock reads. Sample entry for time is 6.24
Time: 11.48
